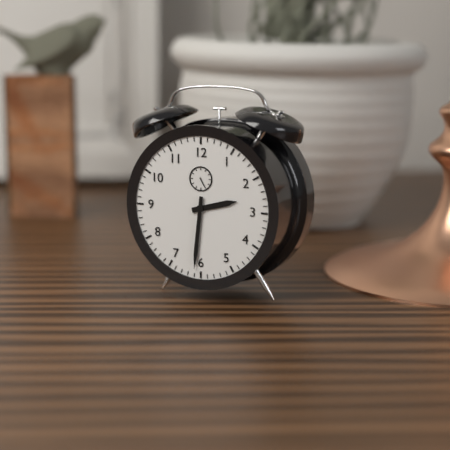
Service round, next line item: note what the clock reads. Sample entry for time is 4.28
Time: 2.31
